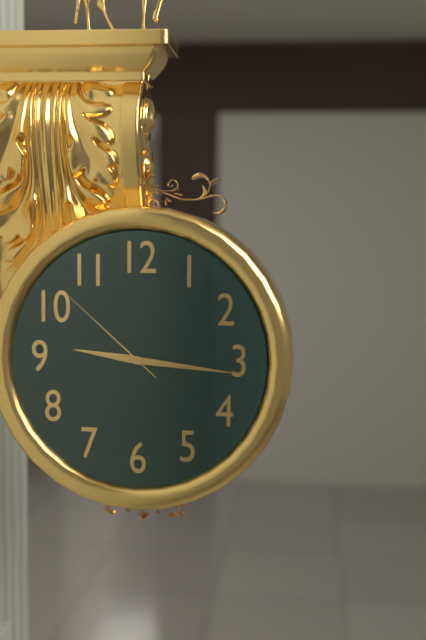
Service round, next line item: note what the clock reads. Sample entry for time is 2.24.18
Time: 9.16.52
